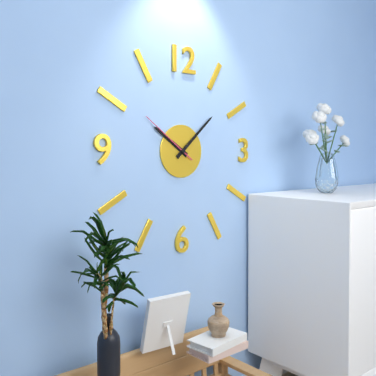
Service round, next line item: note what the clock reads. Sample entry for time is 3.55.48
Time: 10.08.51
